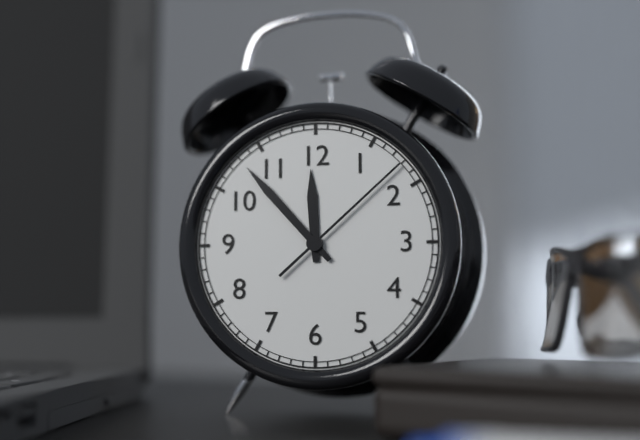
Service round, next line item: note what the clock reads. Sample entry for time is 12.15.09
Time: 11.53.08
